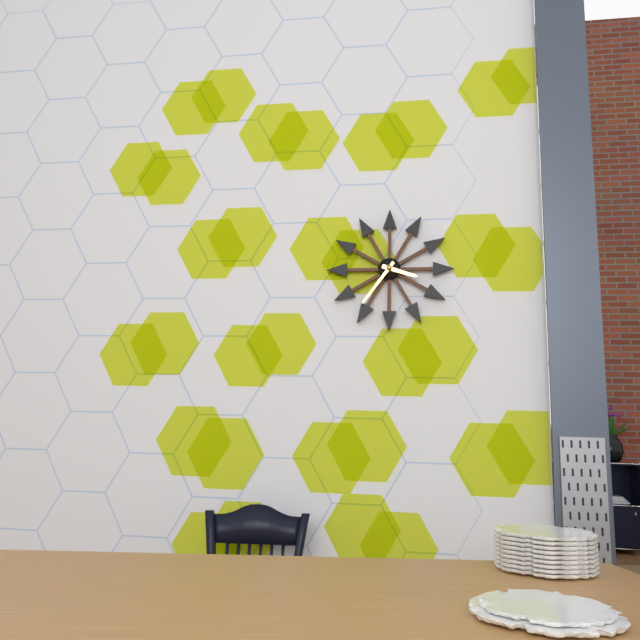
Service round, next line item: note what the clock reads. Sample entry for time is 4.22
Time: 3.36
